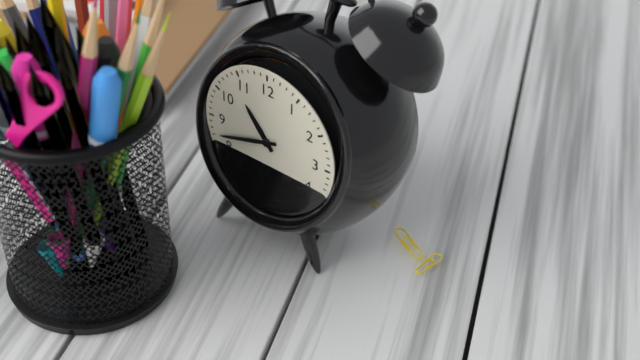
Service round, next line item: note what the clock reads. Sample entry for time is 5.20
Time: 10.42
